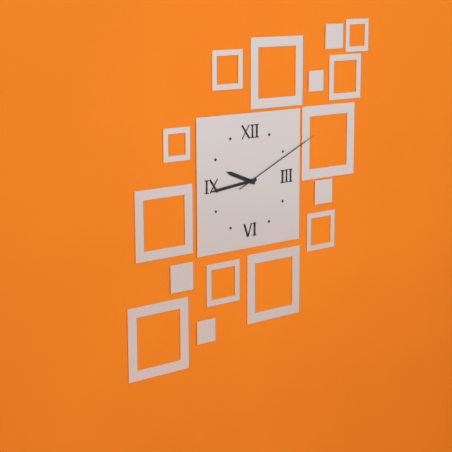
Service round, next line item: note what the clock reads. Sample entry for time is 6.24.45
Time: 9.44.11
